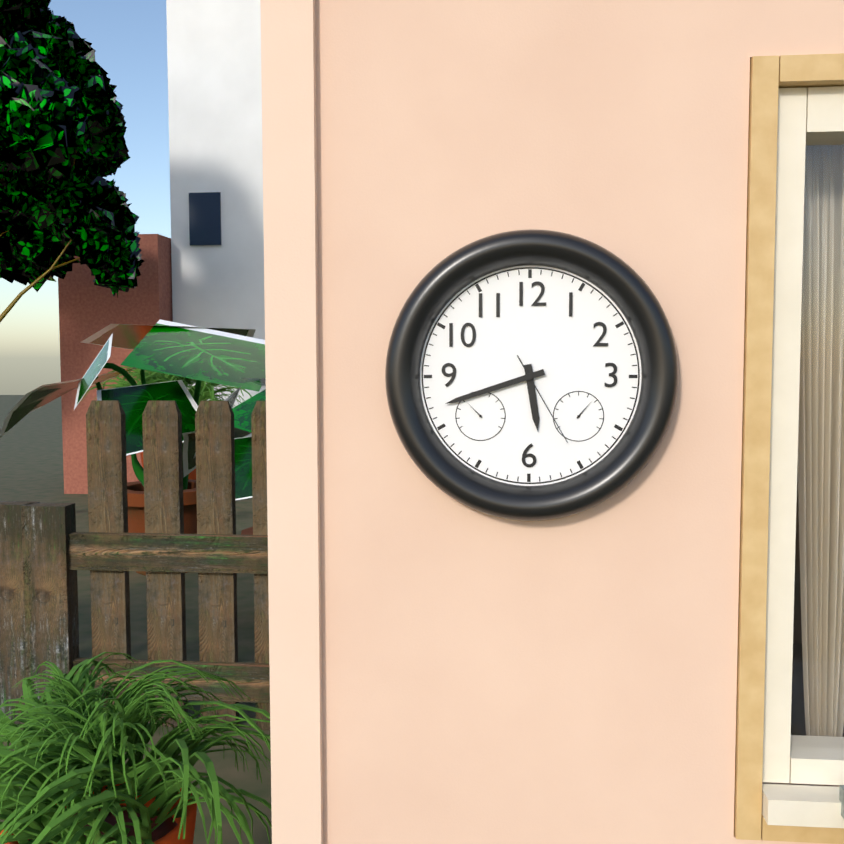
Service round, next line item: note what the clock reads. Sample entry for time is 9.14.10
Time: 5.42.25
